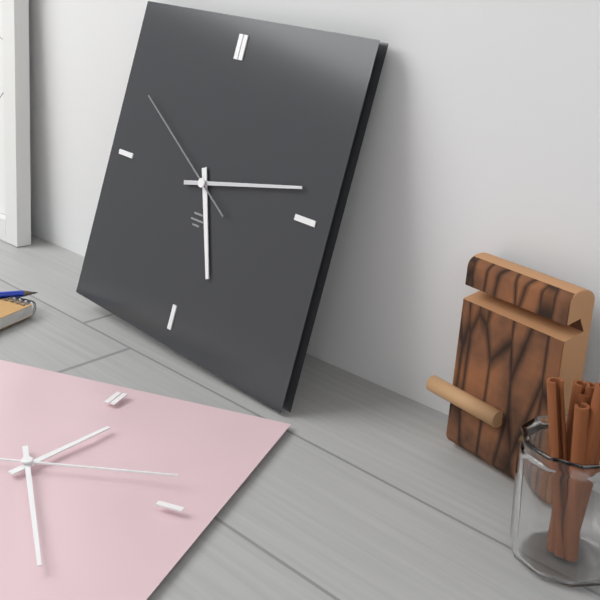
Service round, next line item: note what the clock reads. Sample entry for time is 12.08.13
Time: 5.13.50
